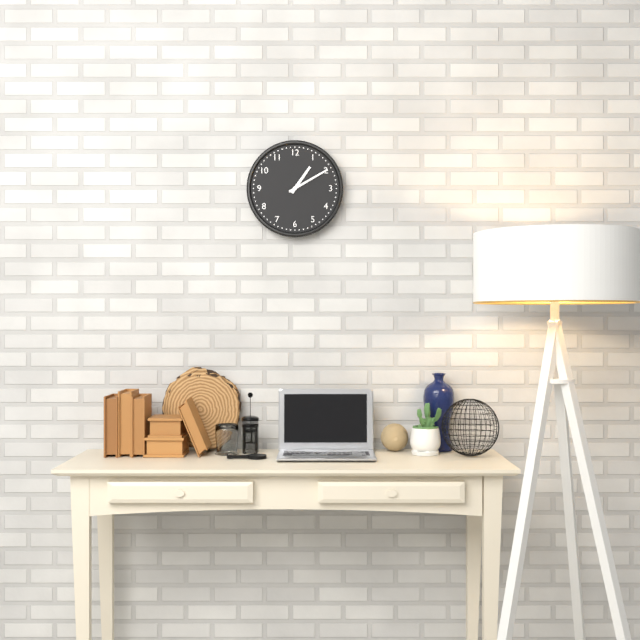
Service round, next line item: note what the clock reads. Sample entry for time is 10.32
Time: 1.10
